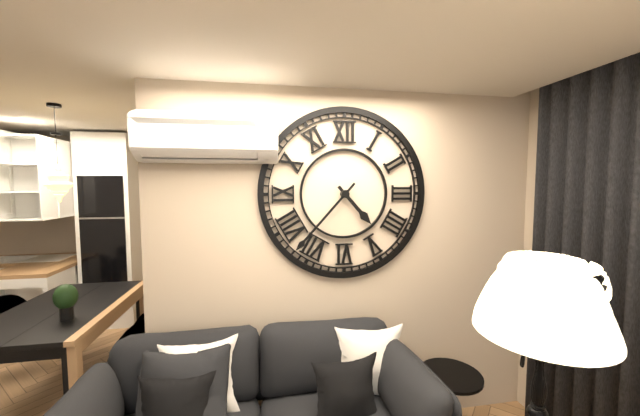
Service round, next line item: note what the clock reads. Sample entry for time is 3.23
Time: 4.37
